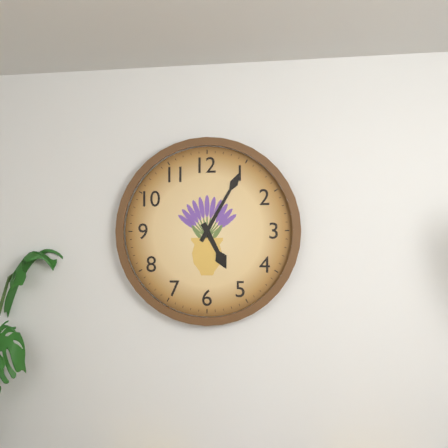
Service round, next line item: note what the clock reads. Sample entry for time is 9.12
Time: 5.05
